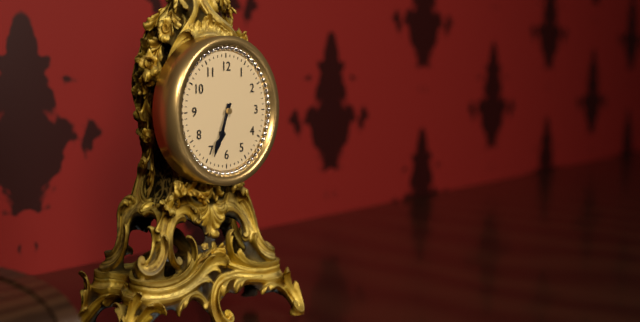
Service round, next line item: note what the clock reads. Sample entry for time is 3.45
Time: 6.34
